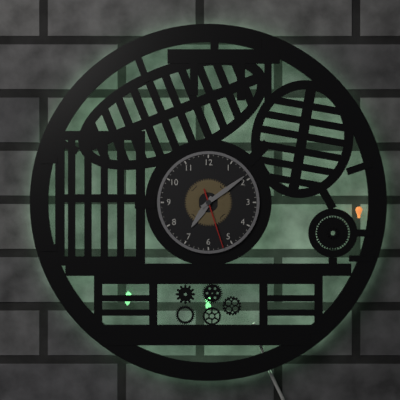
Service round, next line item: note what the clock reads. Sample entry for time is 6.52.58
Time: 7.09.27
